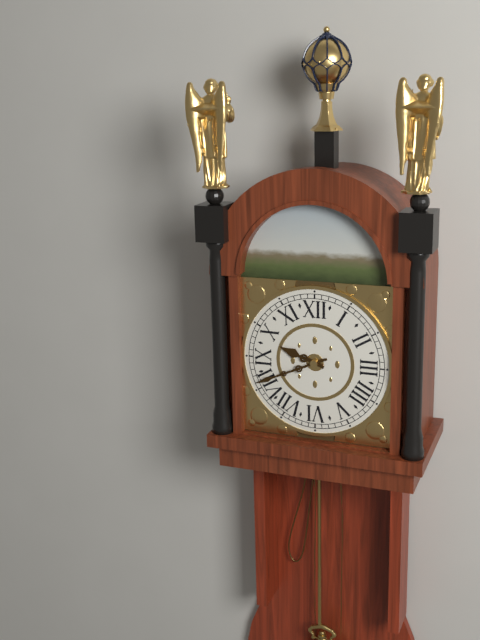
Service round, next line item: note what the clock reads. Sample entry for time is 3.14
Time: 9.41
